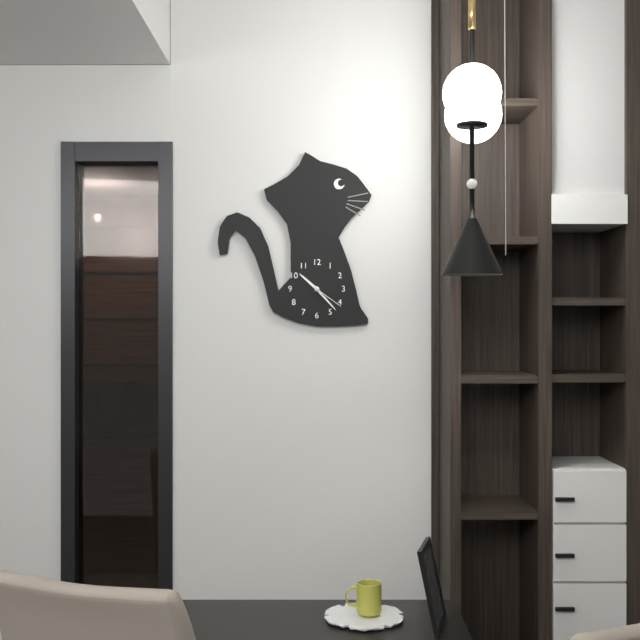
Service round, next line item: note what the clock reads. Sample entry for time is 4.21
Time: 10.23
